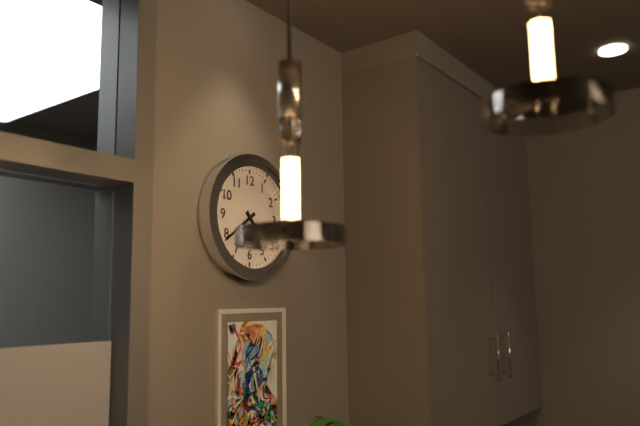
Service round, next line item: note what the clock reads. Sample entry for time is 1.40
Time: 4.39
